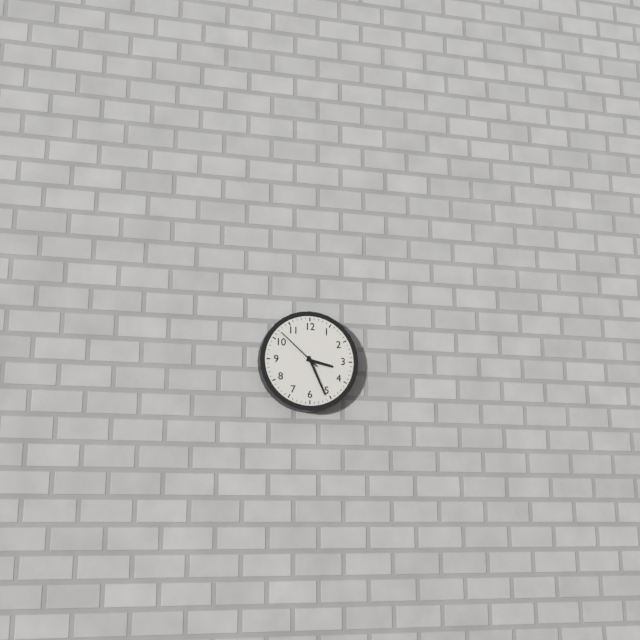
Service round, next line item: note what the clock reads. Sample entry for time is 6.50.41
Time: 3.26.52
